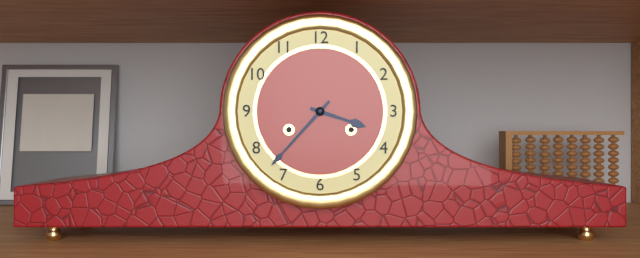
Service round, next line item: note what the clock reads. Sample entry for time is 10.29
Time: 3.37
